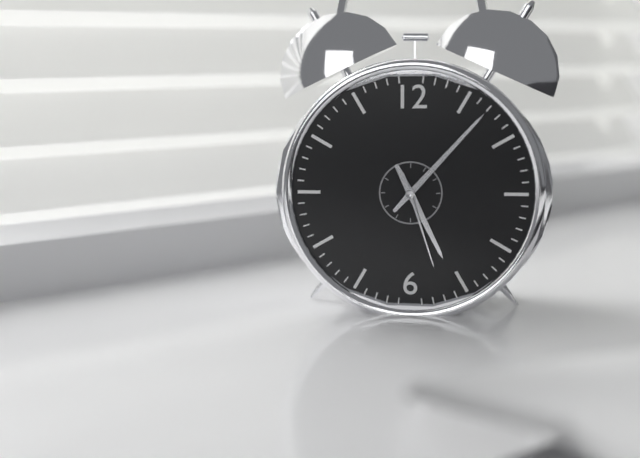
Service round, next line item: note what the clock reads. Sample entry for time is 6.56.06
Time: 5.07.27
